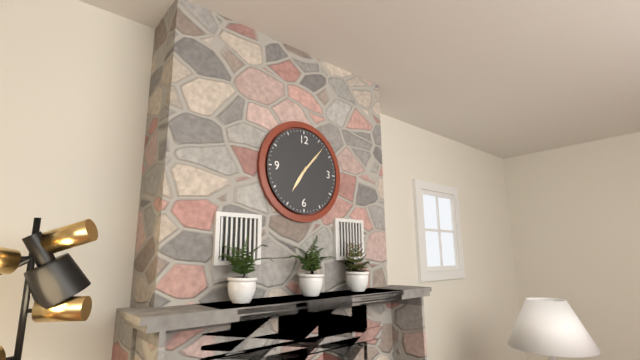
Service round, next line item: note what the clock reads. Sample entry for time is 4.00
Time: 7.07
